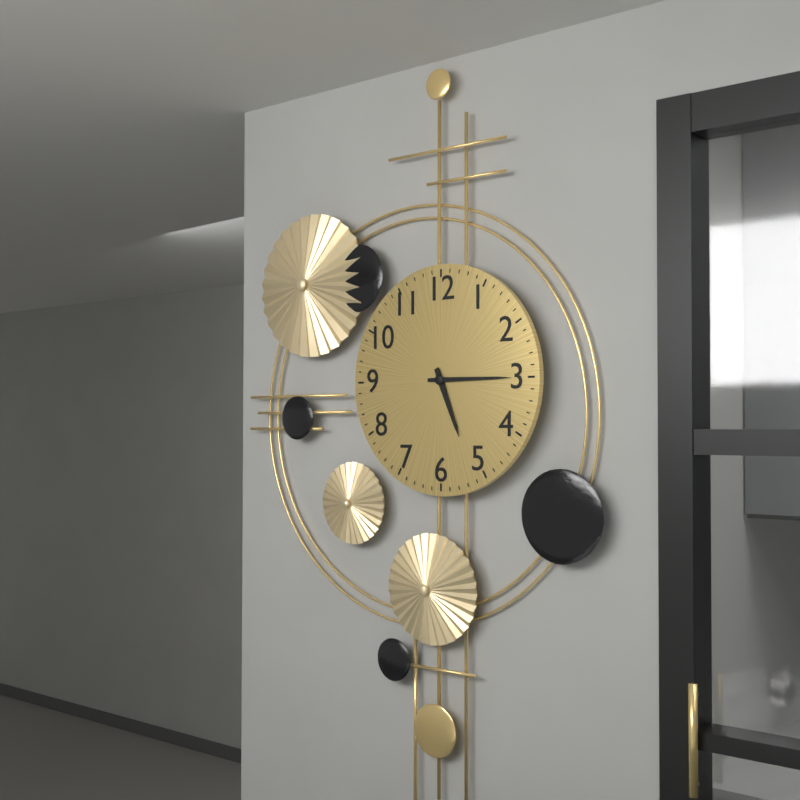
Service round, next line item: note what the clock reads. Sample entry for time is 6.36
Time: 5.15
